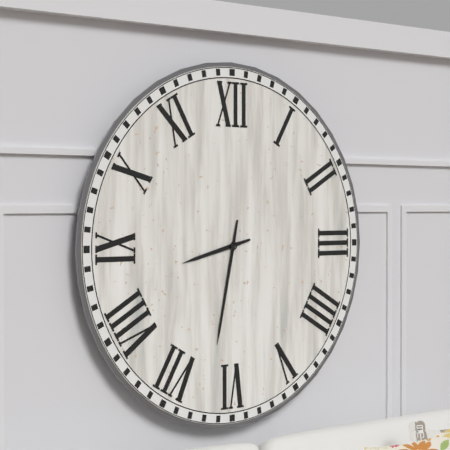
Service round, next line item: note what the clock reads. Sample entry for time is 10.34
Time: 8.32
